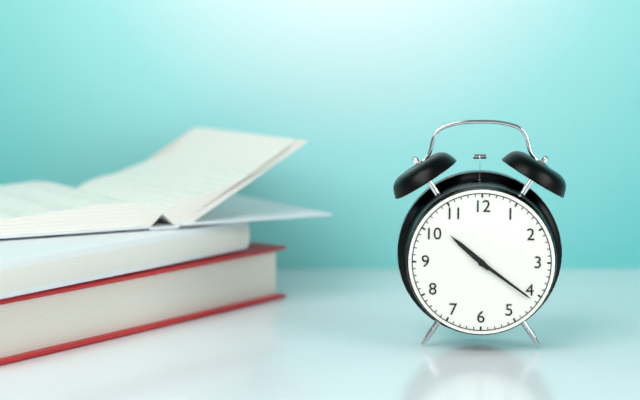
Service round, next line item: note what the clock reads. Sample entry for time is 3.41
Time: 10.21
